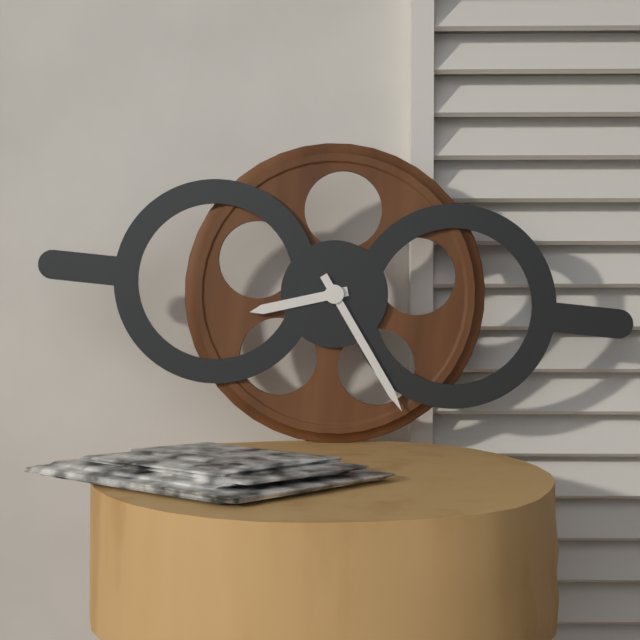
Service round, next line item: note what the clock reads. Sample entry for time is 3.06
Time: 8.24
